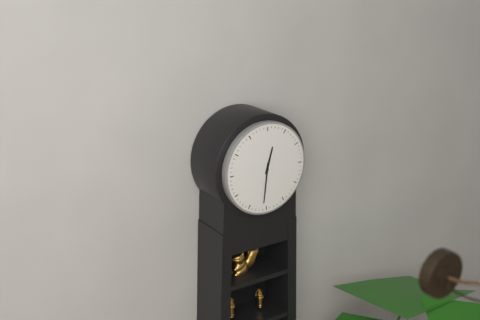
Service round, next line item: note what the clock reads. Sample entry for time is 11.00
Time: 12.31
